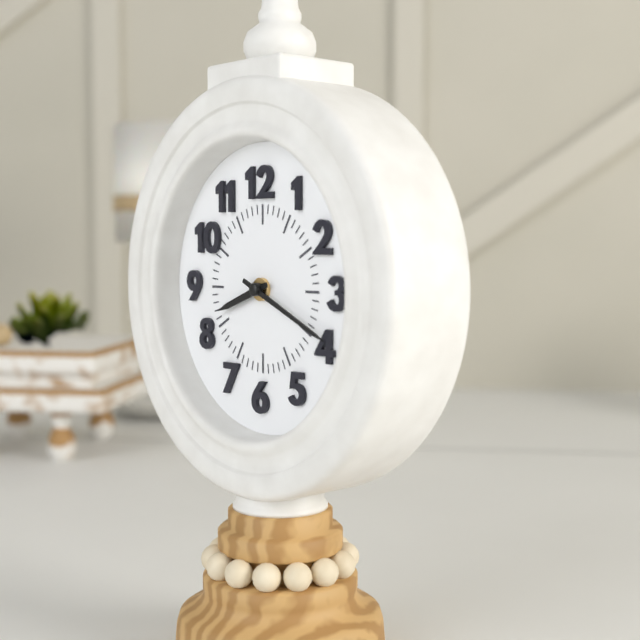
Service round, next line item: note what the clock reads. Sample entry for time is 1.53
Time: 8.19
